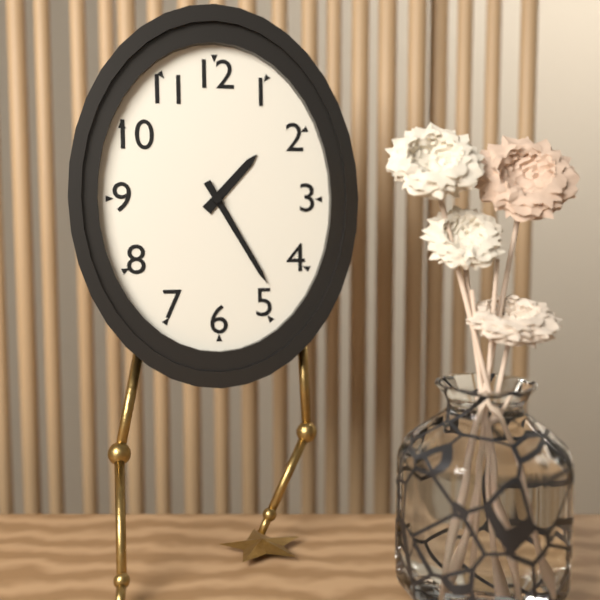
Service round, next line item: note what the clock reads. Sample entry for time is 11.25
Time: 1.25
